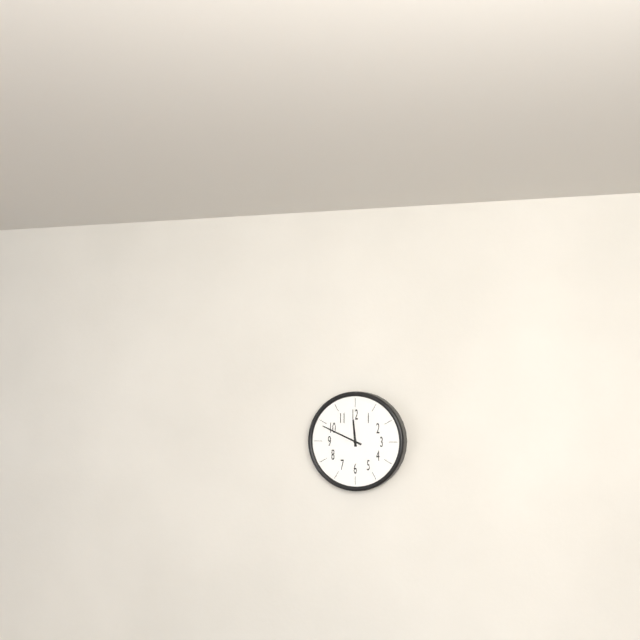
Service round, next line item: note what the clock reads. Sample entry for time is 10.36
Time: 11.49
